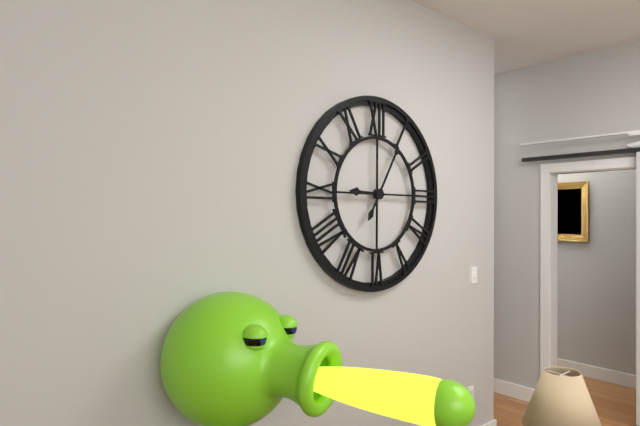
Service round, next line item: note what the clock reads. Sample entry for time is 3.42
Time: 9.05
